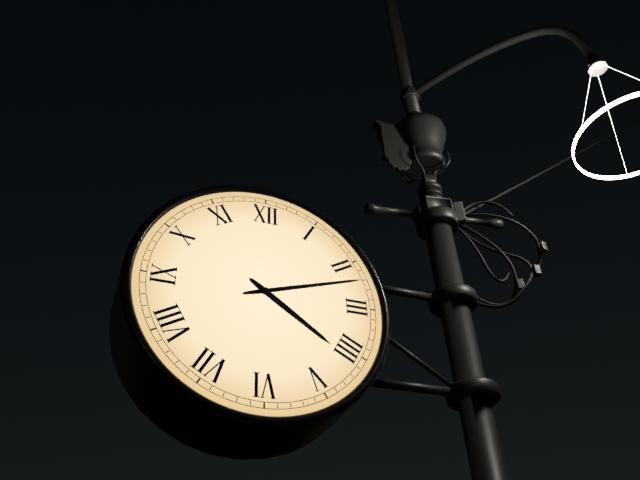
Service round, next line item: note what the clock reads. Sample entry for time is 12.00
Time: 4.12
